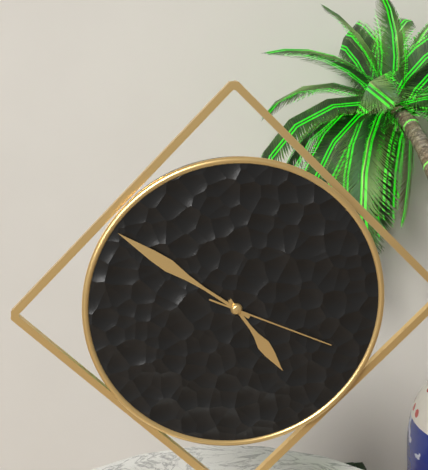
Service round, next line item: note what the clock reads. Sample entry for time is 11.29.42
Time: 4.51.19
